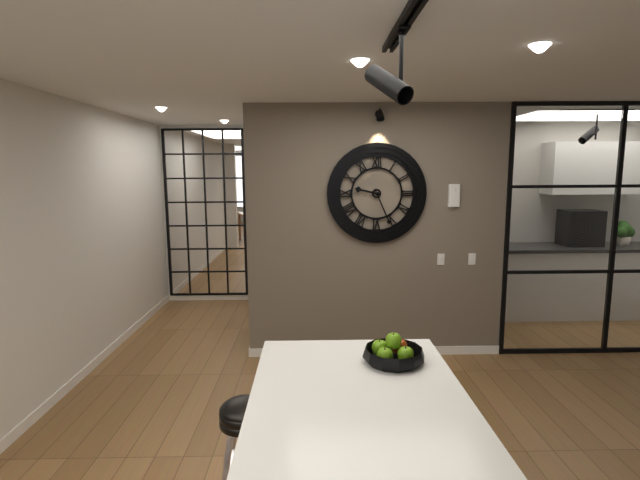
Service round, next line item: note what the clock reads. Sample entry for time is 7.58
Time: 9.26
